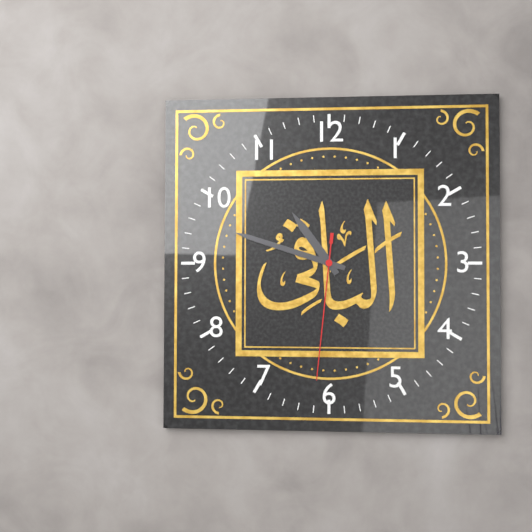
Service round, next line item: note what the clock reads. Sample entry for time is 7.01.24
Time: 10.48.31
